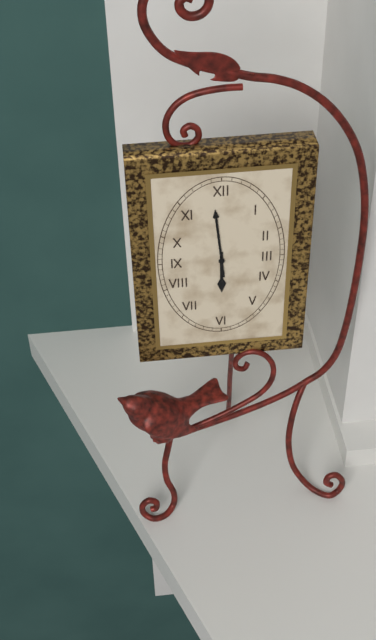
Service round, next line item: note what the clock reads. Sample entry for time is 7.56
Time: 5.59
